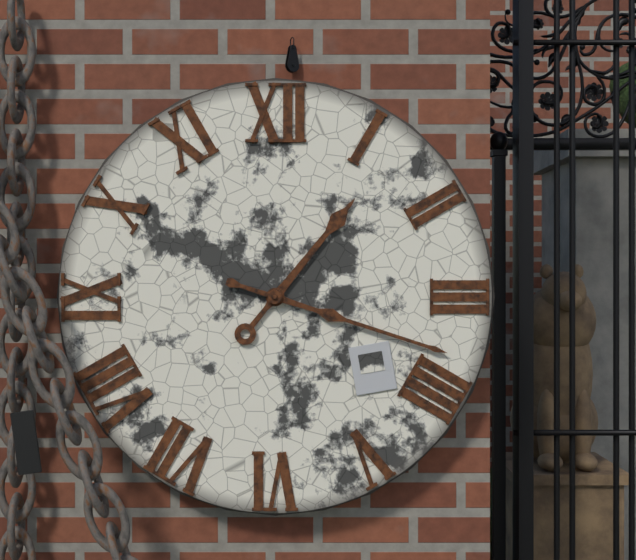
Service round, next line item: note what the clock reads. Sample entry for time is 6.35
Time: 1.18
